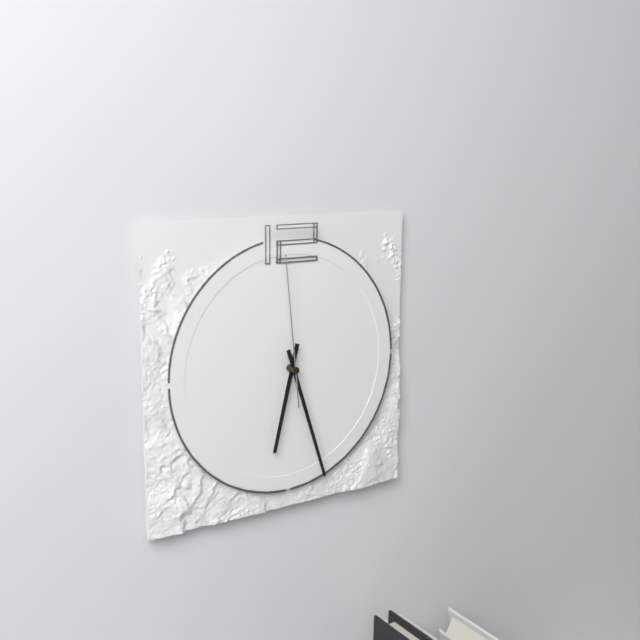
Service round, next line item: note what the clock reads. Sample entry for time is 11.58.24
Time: 6.27.59
